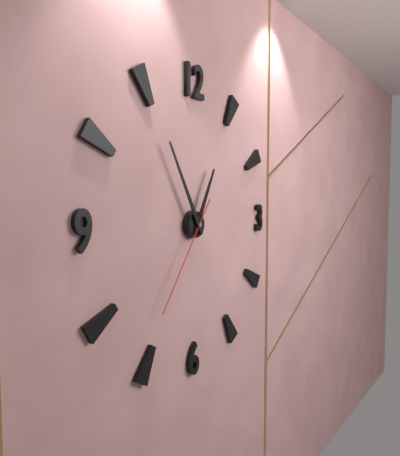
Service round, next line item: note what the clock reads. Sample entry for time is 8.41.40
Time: 12.55.36
